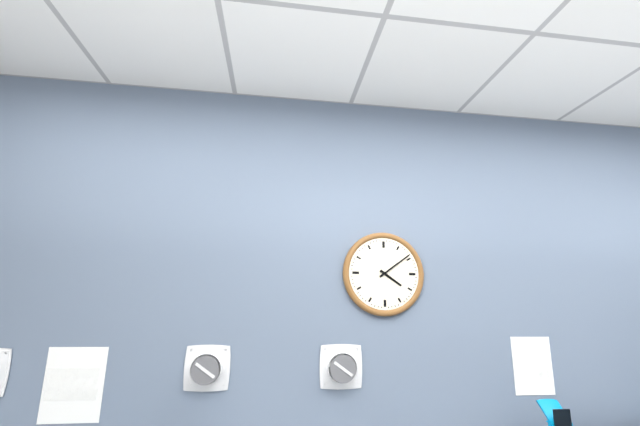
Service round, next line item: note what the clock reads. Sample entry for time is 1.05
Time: 4.09
